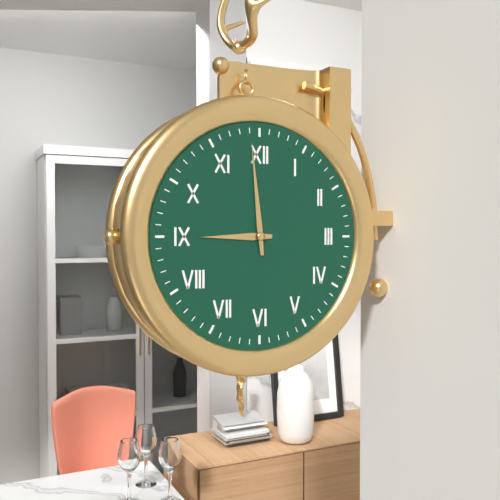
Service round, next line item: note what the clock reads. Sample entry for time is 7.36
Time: 8.59
